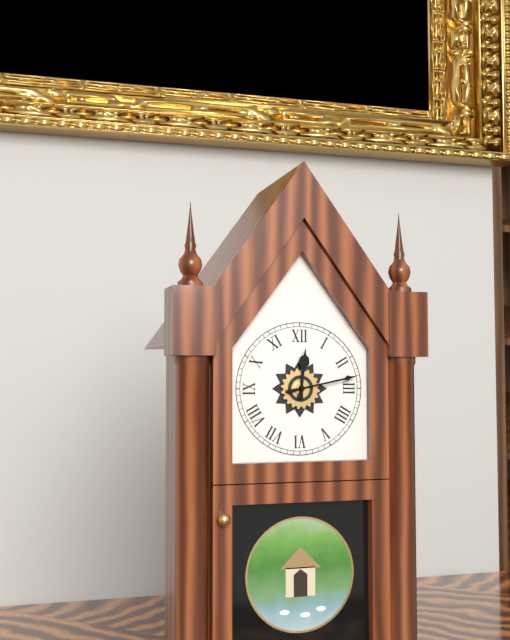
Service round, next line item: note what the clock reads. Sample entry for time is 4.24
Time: 12.13
